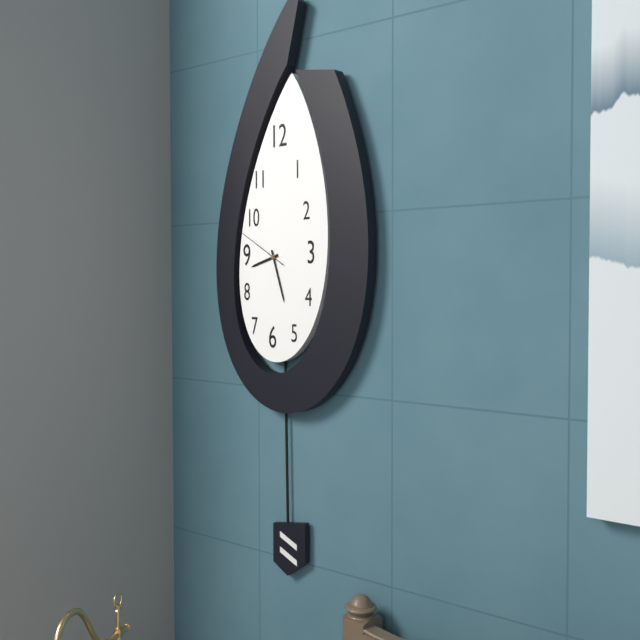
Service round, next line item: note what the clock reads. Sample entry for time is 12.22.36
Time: 8.27.50
